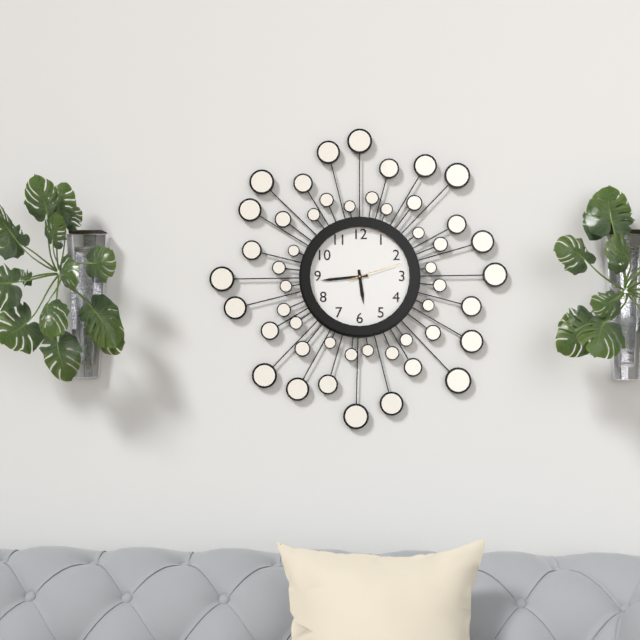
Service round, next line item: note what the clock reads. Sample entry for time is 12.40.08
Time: 5.44.12
